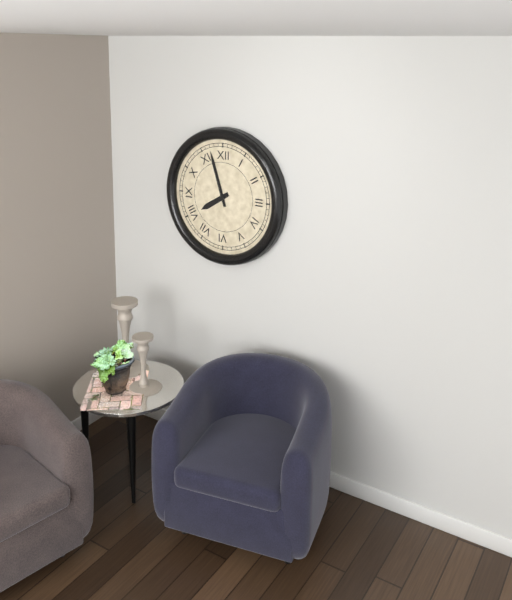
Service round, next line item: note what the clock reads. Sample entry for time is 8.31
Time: 7.57
